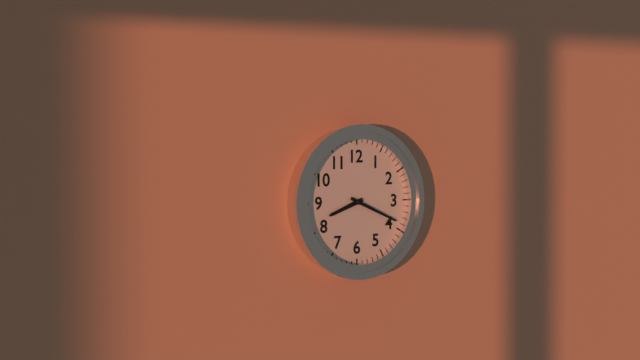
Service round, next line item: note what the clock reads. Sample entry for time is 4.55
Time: 8.19
